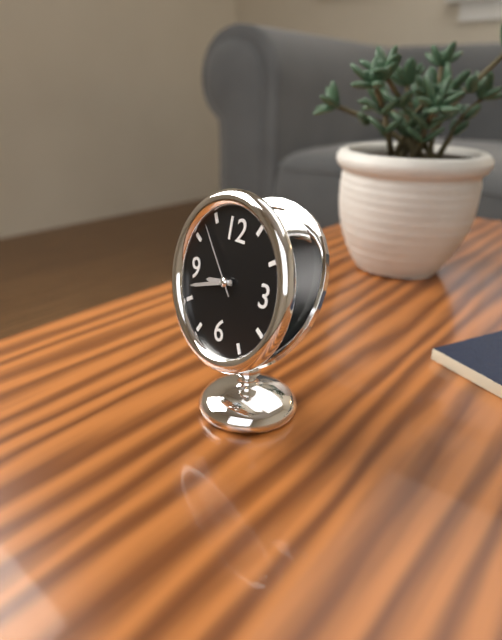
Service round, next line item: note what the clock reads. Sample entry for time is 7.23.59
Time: 8.42.53
